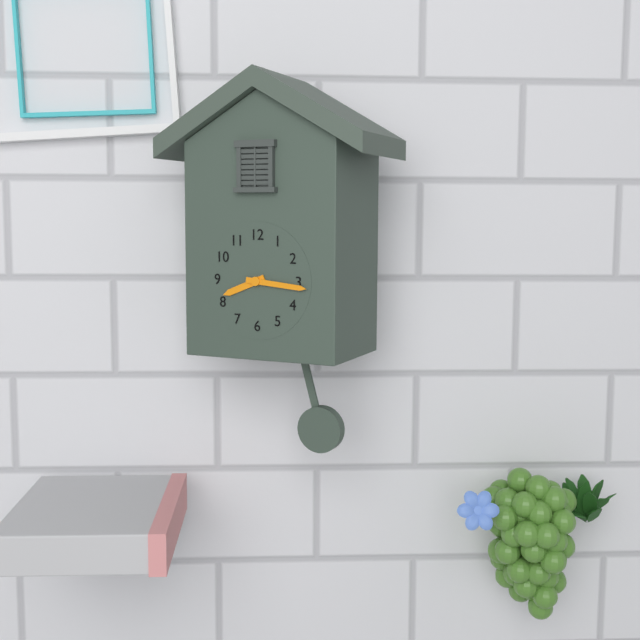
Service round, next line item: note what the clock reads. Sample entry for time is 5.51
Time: 8.16
